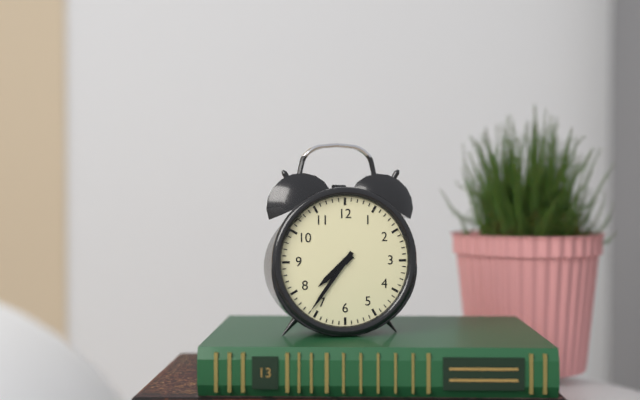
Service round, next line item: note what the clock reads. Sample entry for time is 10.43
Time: 7.36
